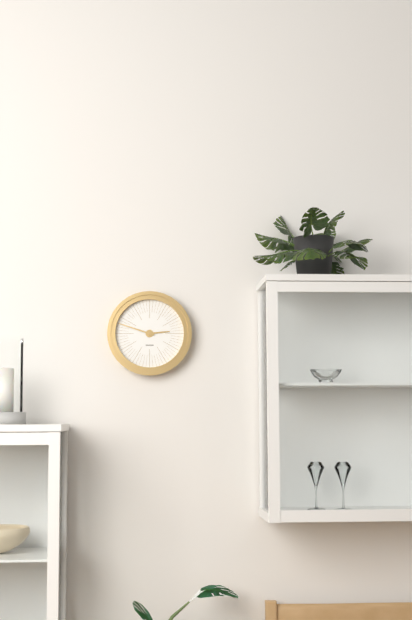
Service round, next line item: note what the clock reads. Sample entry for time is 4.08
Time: 2.48
